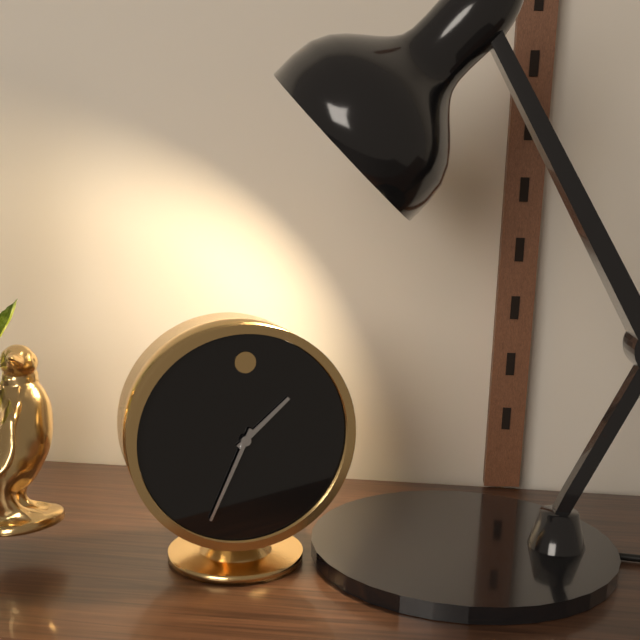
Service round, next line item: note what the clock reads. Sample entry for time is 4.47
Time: 1.34
